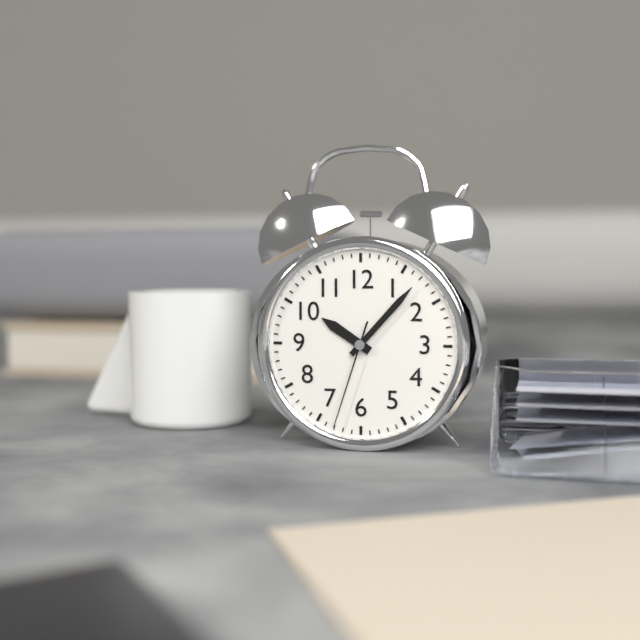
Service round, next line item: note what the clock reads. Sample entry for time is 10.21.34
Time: 10.07.33
